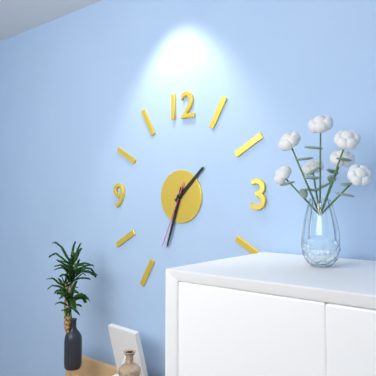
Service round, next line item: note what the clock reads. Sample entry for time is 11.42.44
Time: 1.33.34
